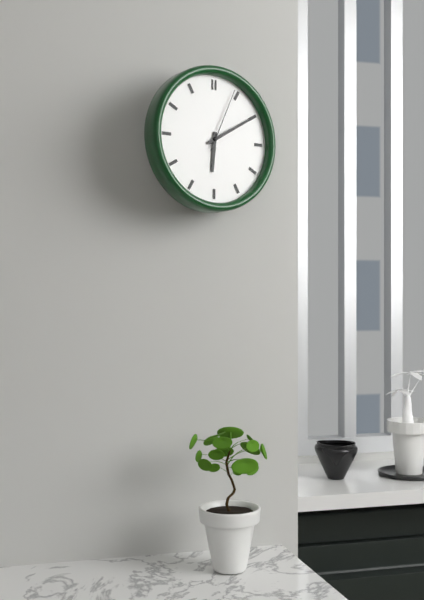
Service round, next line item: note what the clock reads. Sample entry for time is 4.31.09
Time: 6.10.04
